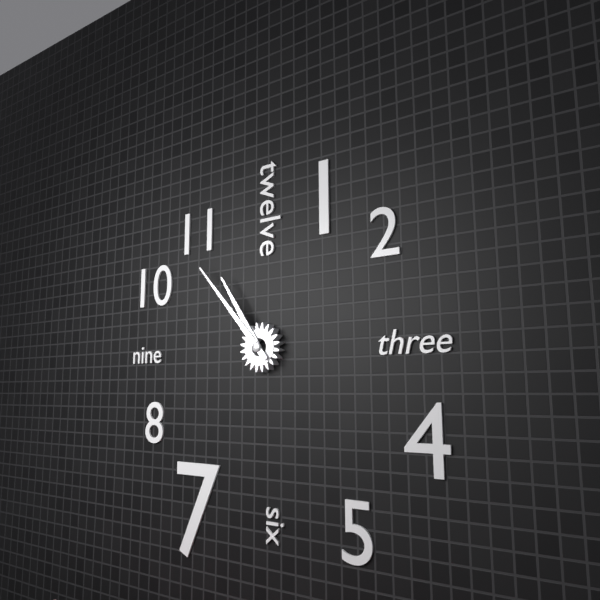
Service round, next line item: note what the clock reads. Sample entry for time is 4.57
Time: 10.53
